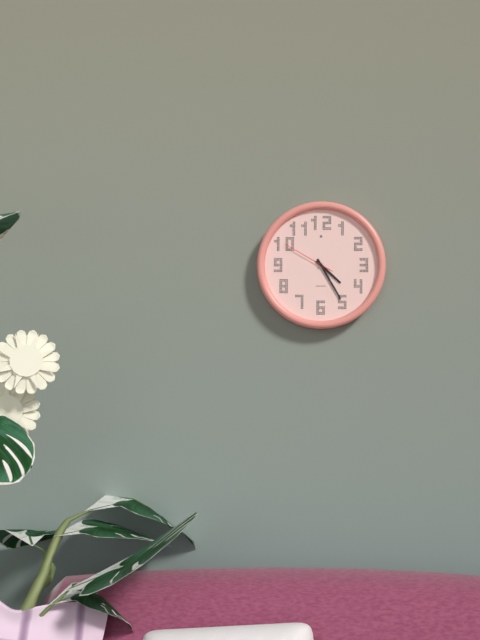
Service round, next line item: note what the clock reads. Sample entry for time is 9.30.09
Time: 4.25.50
